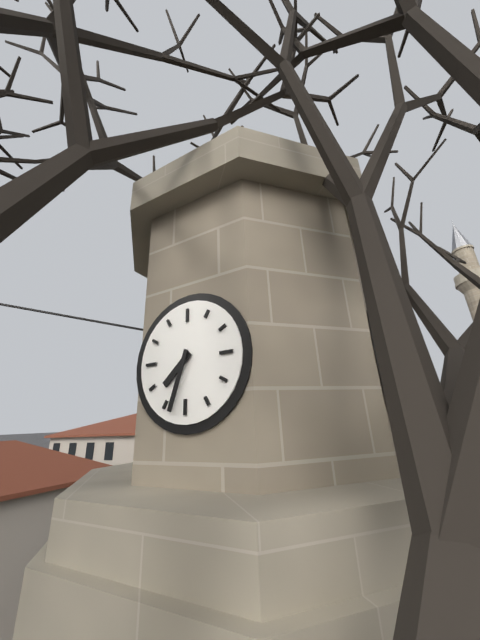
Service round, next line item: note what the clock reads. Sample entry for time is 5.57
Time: 7.33
